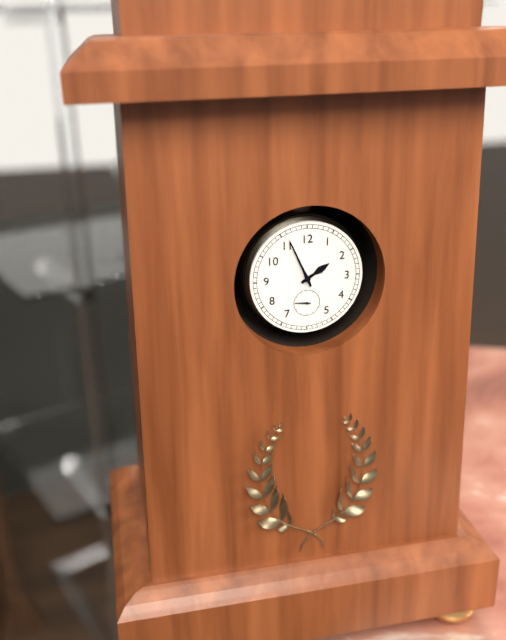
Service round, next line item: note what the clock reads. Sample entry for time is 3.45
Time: 1.56
